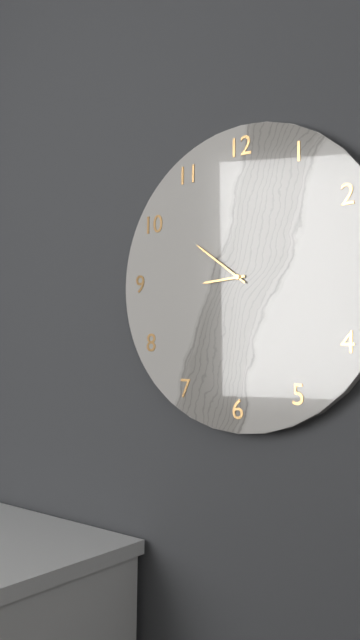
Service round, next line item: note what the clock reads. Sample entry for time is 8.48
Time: 8.51
